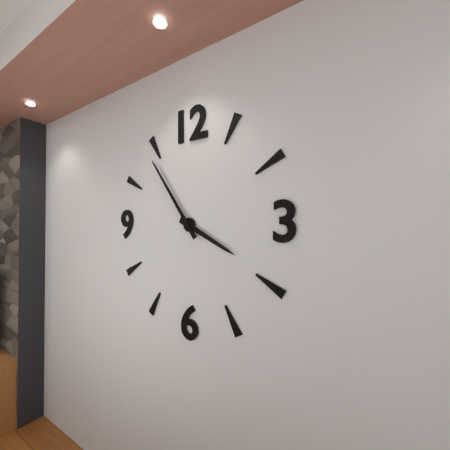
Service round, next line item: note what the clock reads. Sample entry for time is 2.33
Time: 3.54
